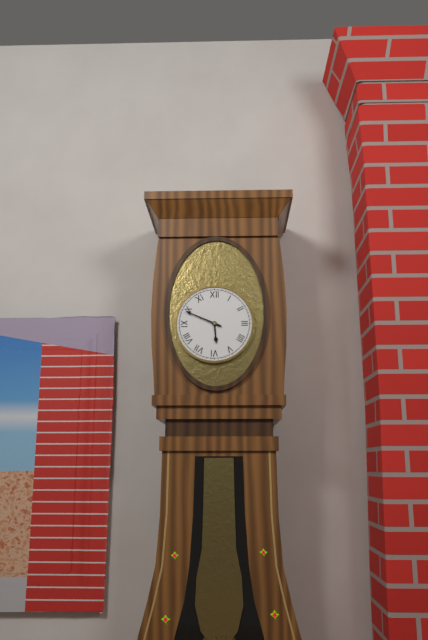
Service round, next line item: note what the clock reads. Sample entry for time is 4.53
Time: 5.49
